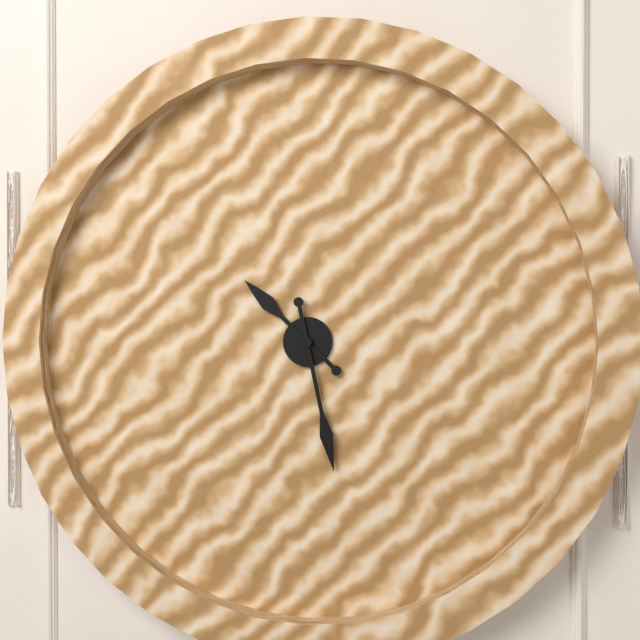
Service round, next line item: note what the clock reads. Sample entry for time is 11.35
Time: 10.28
